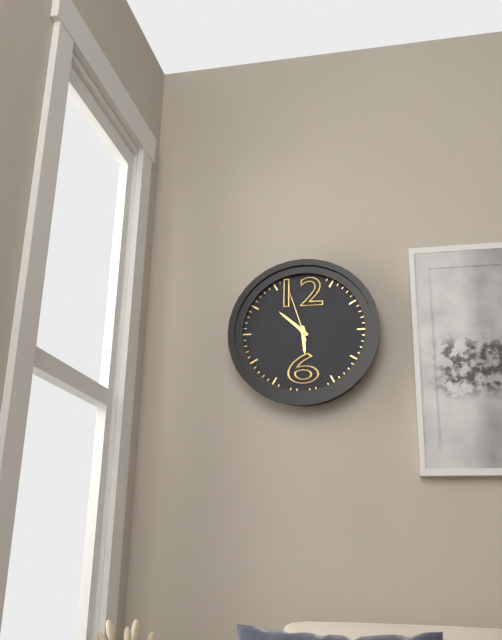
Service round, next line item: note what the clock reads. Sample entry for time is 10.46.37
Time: 5.52.57
